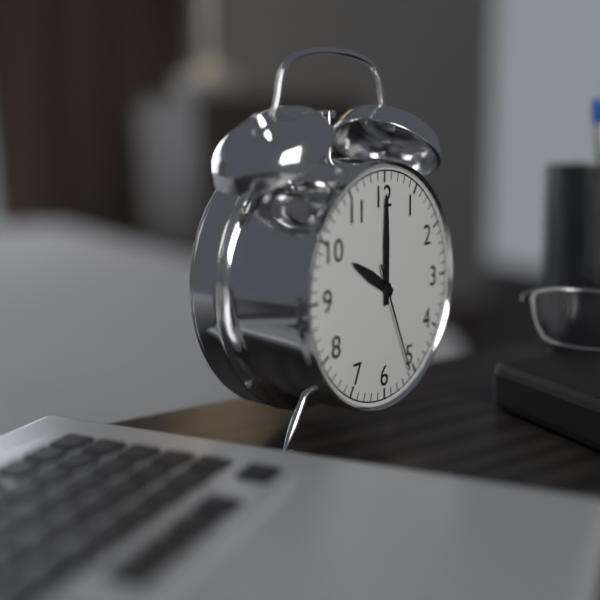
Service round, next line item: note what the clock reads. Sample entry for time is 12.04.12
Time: 10.00.26
